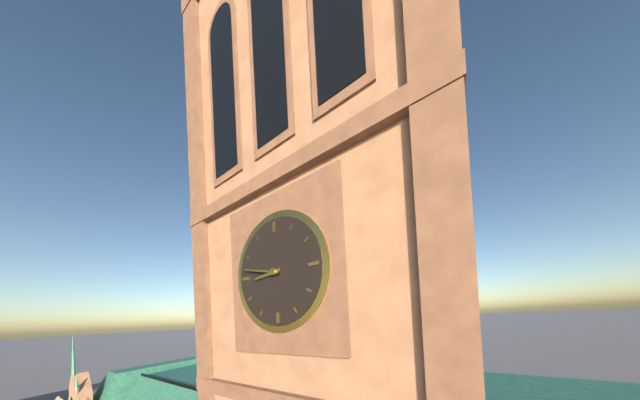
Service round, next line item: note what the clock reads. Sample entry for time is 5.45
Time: 8.47
